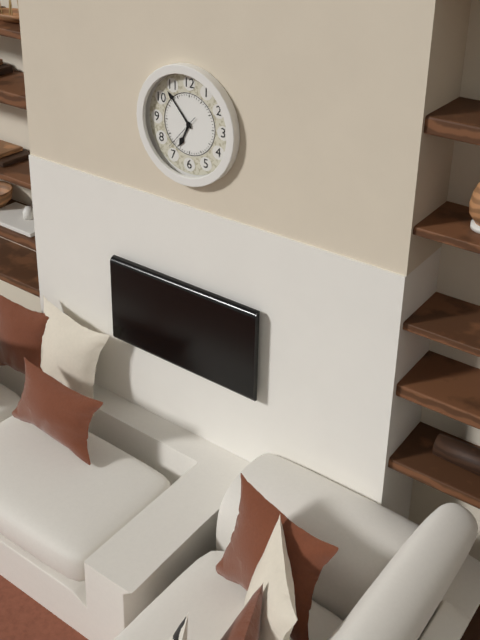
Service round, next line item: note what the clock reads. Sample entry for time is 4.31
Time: 6.53
